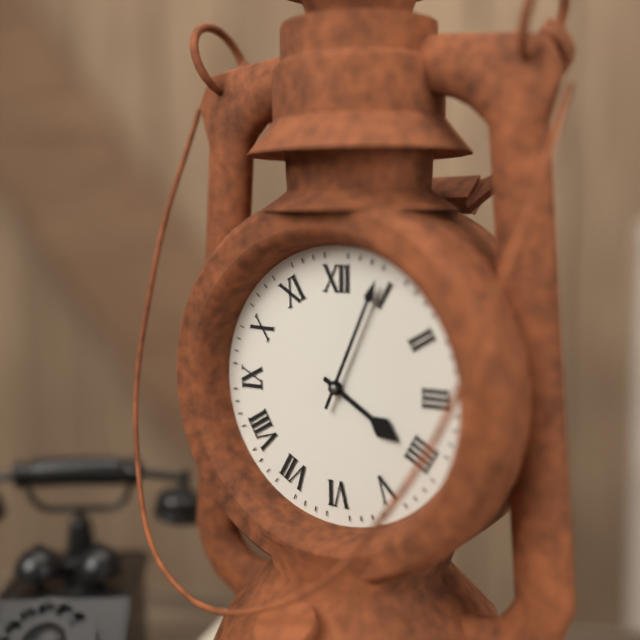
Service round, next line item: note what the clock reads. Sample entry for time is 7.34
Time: 4.04
